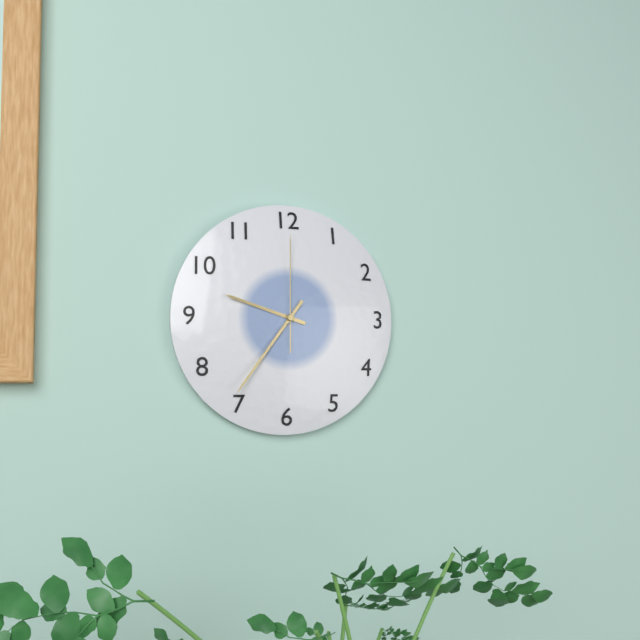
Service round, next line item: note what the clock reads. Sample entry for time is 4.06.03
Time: 9.36.00
